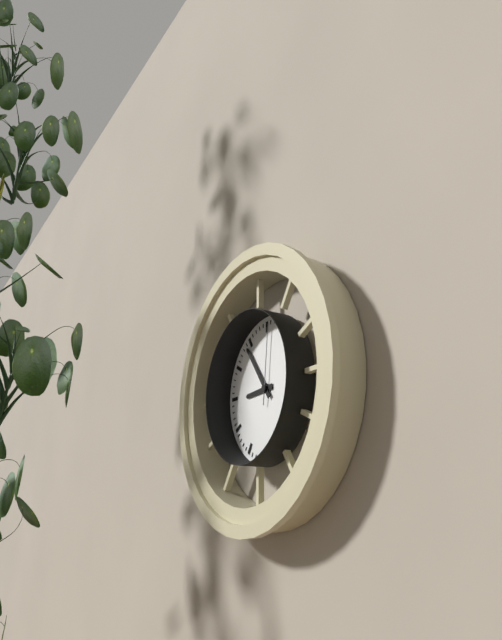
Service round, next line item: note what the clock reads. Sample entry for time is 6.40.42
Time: 8.54.01
